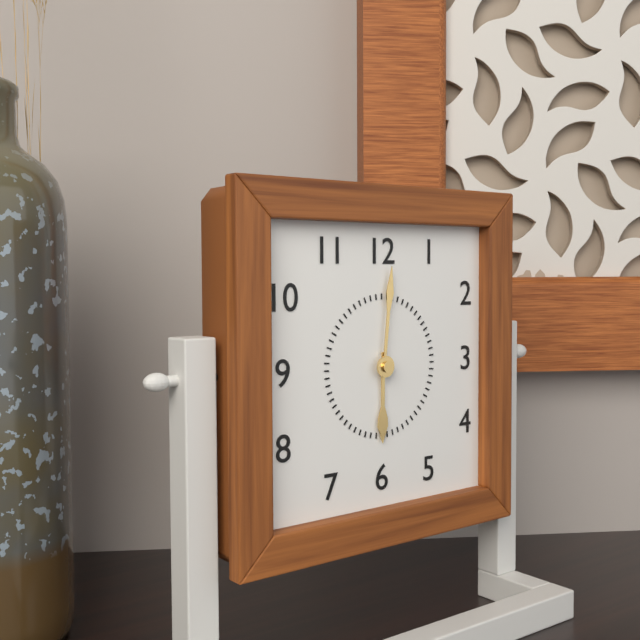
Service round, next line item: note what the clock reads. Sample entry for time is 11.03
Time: 6.01
